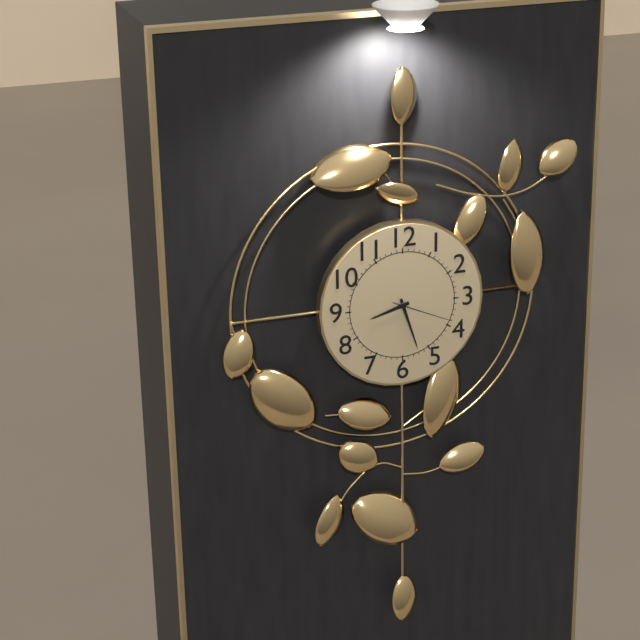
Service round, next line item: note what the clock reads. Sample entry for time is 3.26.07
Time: 8.27.19
